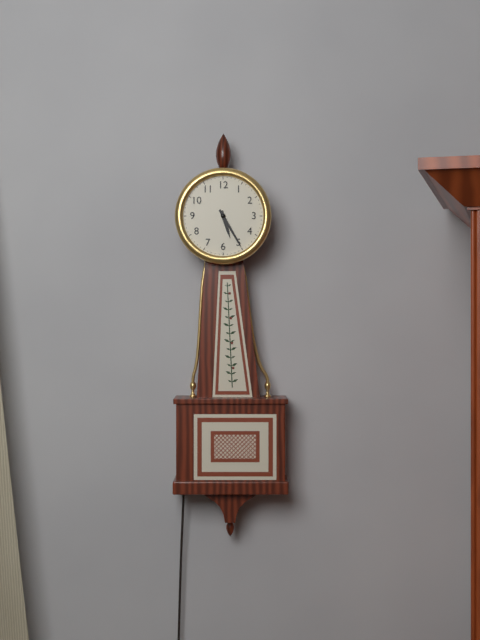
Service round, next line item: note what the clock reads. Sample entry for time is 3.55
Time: 5.25
